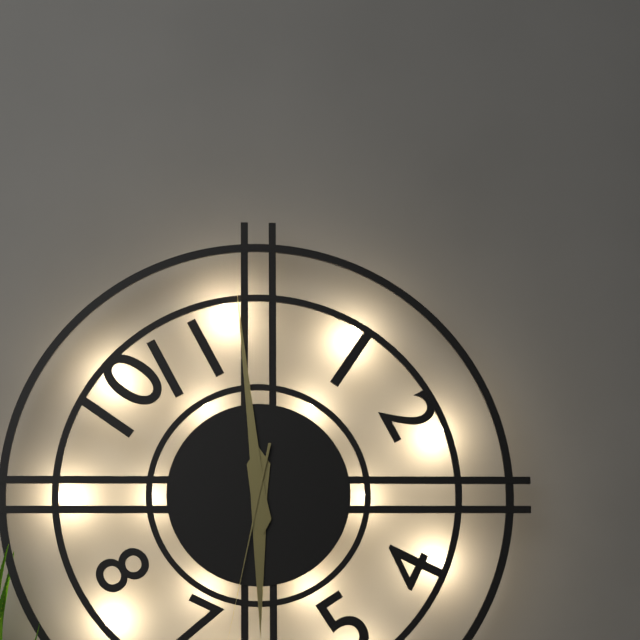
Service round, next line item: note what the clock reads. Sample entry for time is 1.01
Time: 5.59
